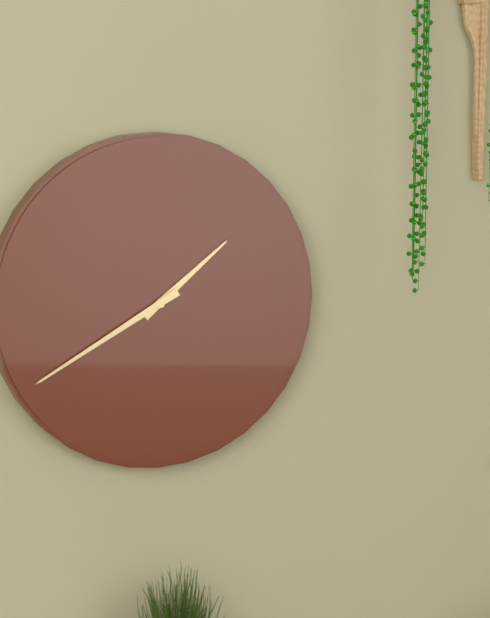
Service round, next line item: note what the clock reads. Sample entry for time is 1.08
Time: 1.40
